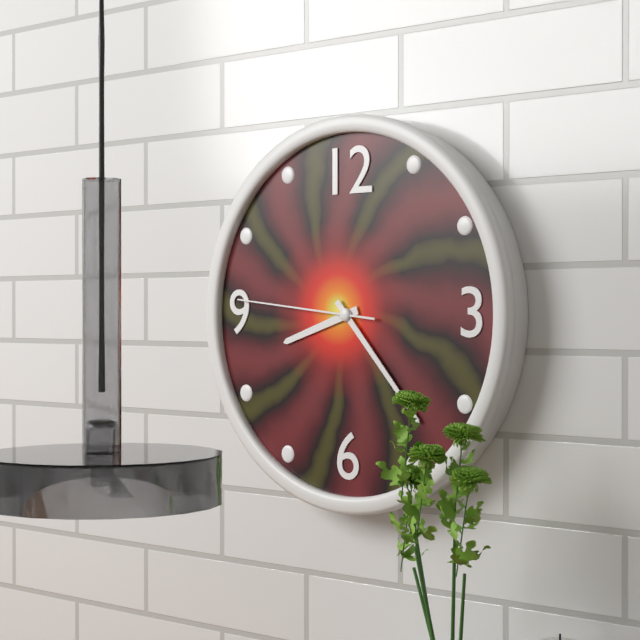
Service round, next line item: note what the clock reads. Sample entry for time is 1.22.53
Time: 8.23.46
